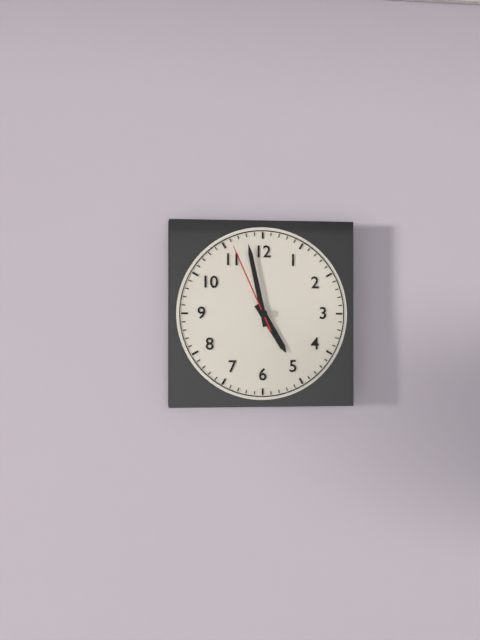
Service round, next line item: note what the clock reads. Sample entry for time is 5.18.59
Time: 4.58.56
